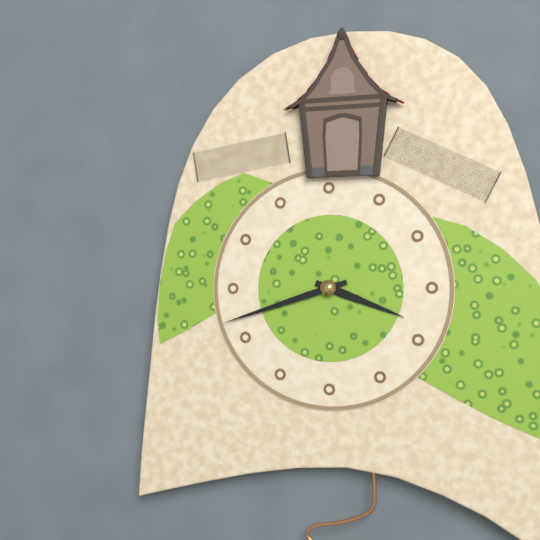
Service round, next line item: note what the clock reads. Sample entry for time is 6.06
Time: 3.42
